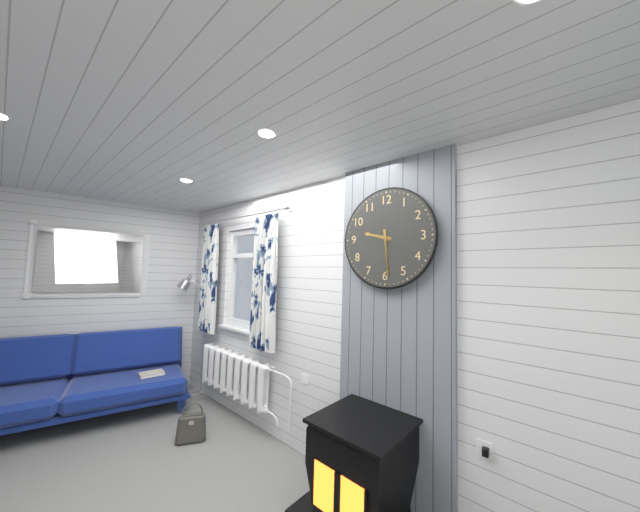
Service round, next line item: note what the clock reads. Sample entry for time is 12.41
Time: 9.29
